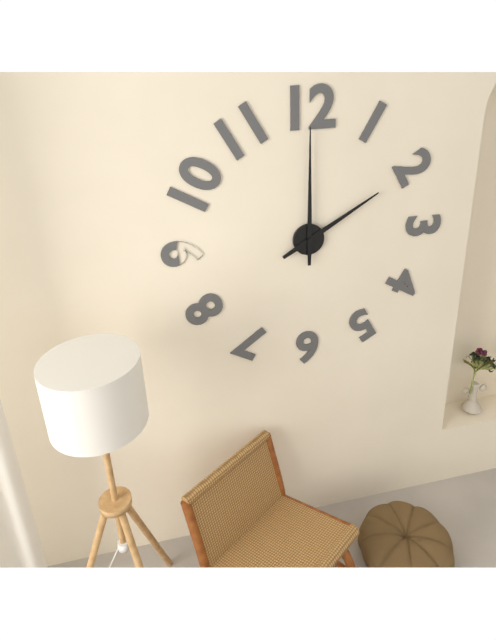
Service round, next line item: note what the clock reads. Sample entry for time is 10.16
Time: 2.00
